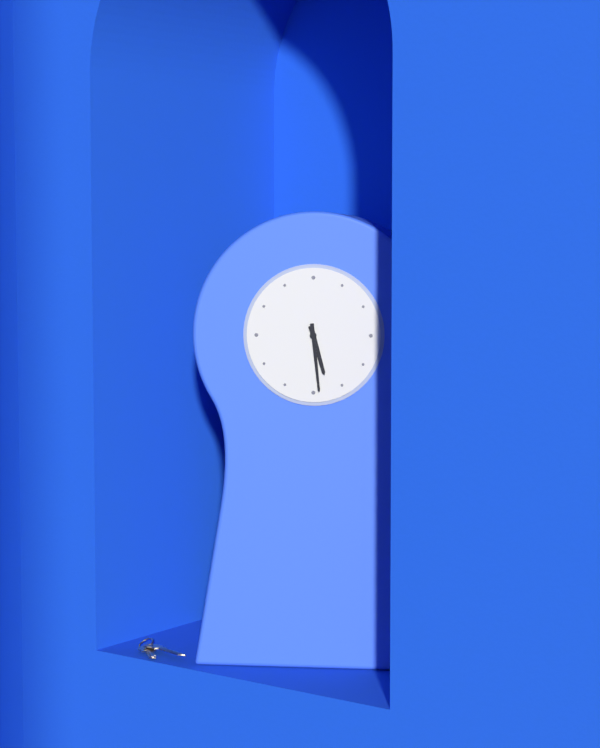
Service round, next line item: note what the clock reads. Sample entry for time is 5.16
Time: 5.29
